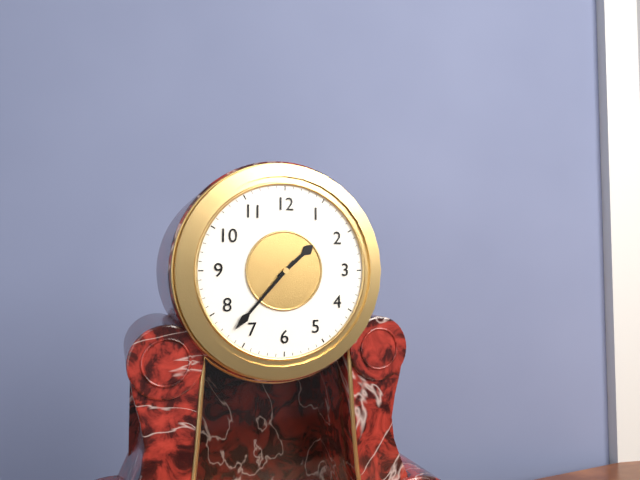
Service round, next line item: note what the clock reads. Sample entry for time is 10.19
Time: 1.37
